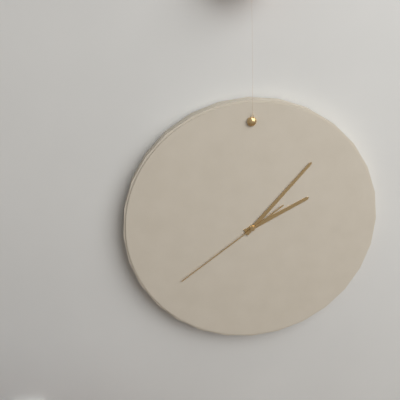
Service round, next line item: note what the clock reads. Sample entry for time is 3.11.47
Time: 2.07.39
